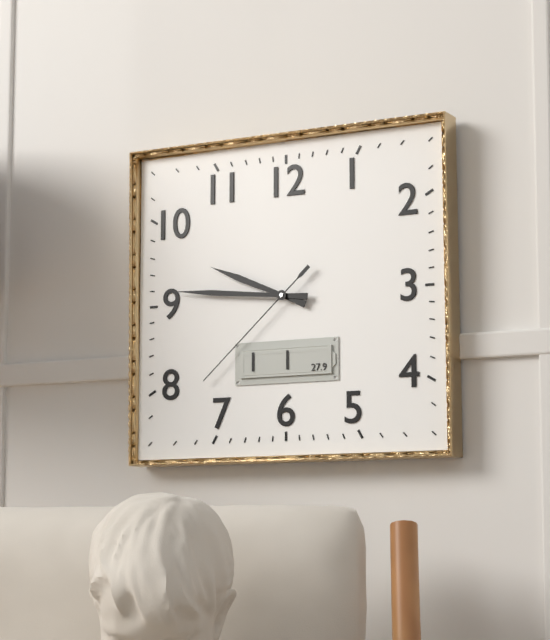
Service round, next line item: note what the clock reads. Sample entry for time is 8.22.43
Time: 9.46.38
